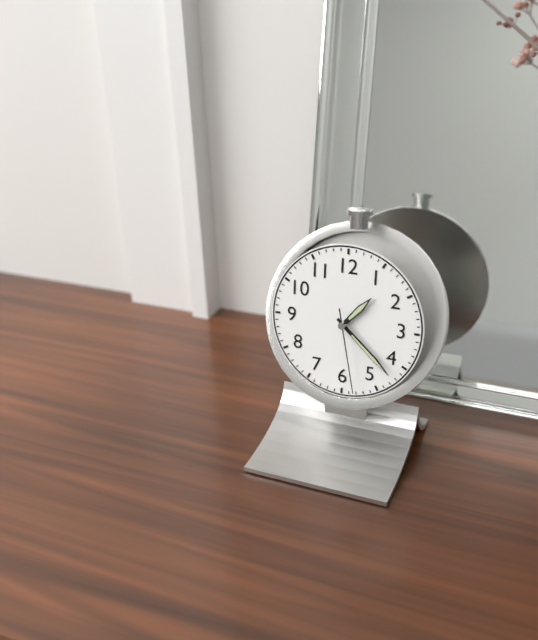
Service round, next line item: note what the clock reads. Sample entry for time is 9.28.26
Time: 1.22.28
